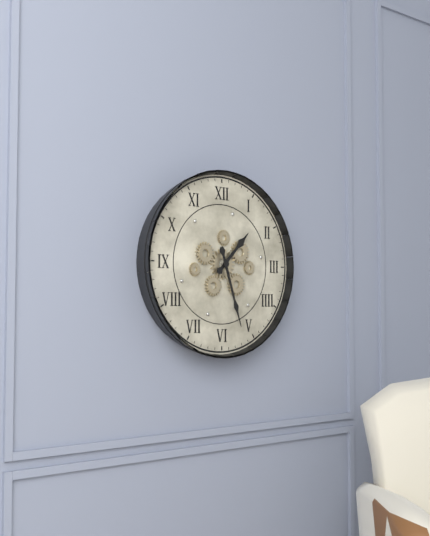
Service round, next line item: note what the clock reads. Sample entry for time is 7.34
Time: 1.27
